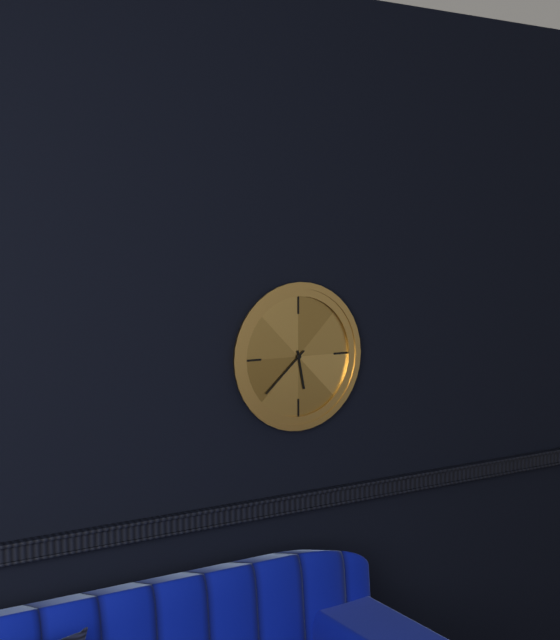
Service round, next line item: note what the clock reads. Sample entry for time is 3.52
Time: 5.38
